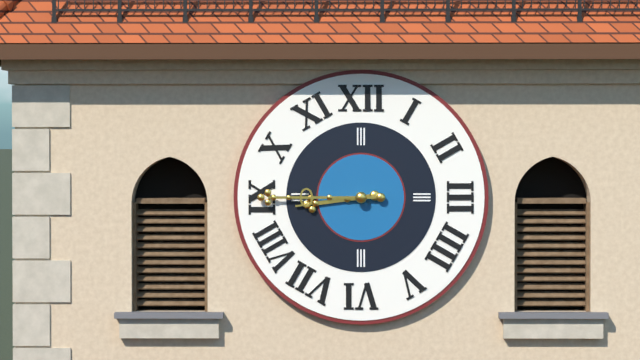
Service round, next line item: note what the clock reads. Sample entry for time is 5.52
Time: 8.45
